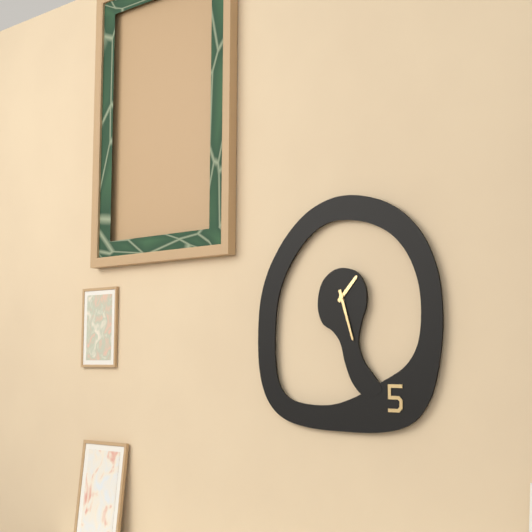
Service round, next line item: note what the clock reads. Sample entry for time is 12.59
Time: 1.27
